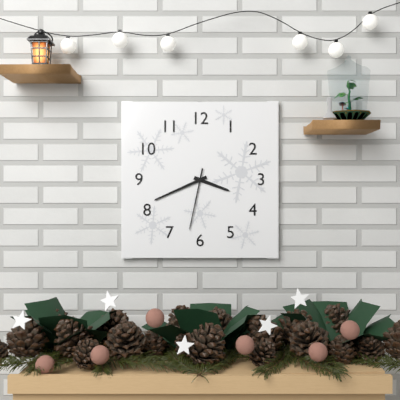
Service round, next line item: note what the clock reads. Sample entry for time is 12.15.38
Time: 3.41.32
